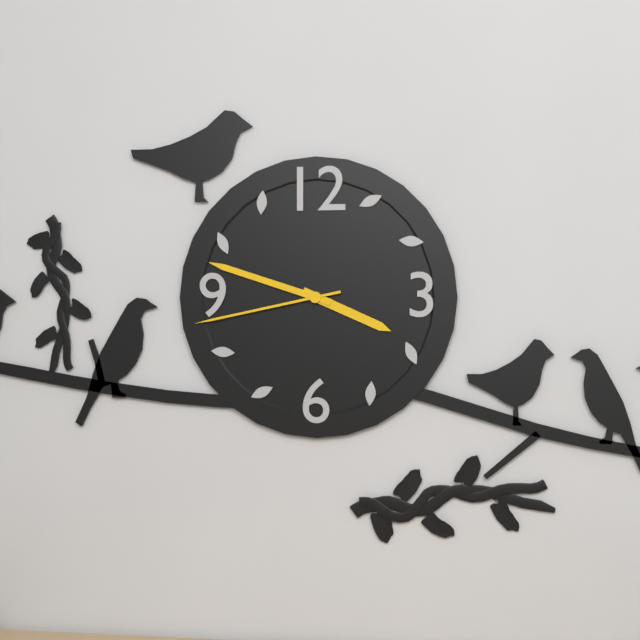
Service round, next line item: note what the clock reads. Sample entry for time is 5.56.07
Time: 3.48.43
